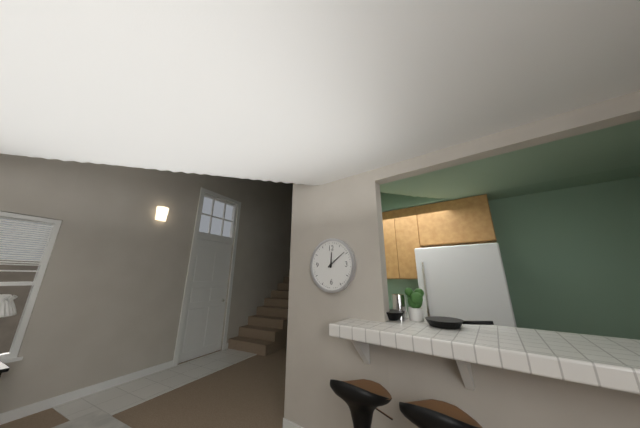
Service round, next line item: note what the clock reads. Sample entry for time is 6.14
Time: 12.09
